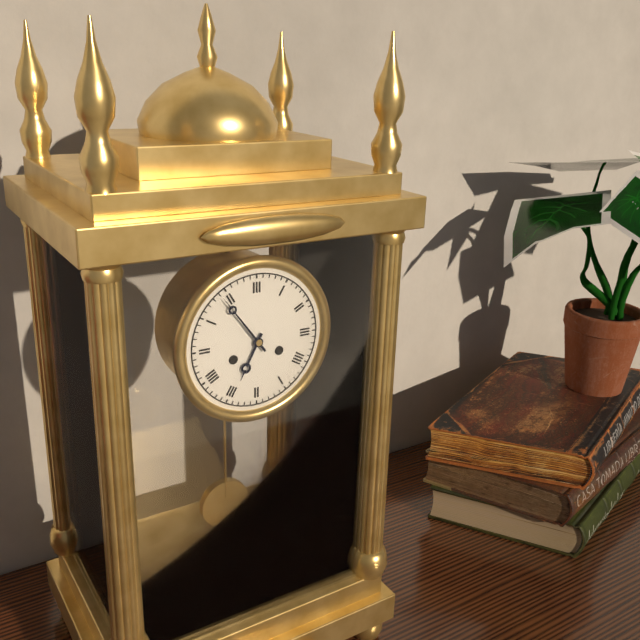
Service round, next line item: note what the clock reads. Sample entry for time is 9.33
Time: 6.54
